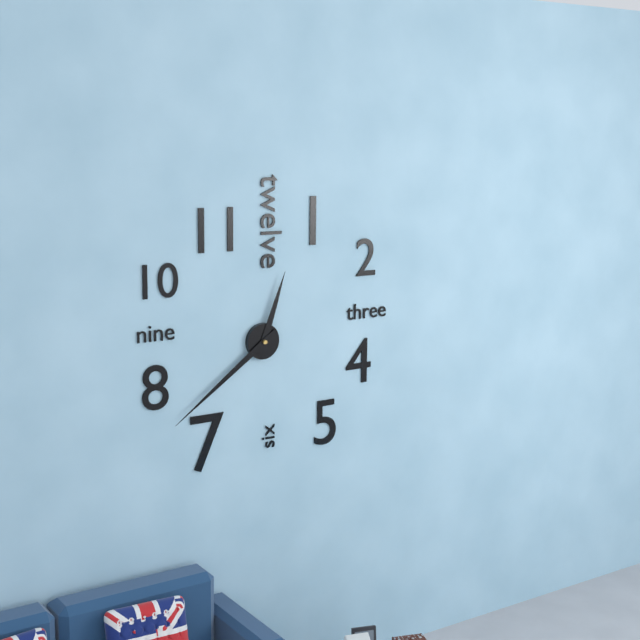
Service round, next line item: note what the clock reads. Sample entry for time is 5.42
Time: 12.39
